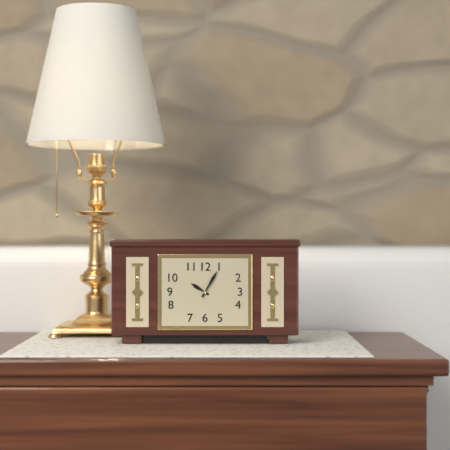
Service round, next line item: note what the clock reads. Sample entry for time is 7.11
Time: 10.05
